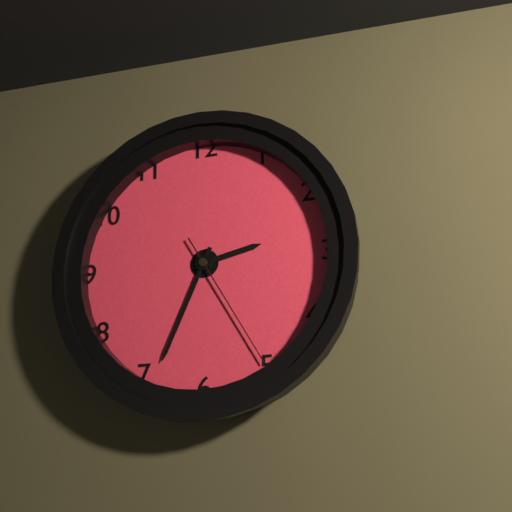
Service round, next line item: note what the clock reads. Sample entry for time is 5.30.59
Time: 2.34.25
